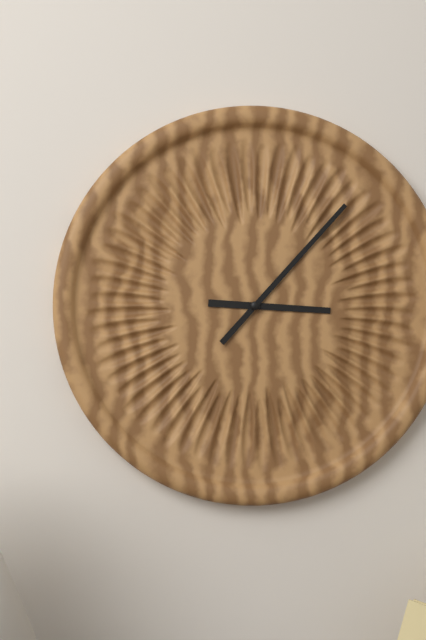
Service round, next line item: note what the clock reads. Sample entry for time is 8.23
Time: 3.07
